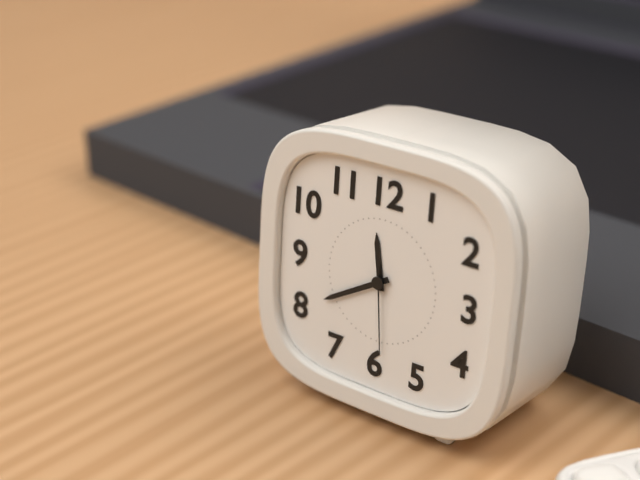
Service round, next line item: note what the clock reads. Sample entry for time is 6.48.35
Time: 11.40.29
